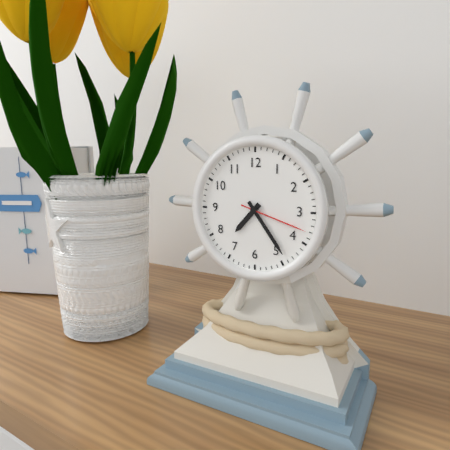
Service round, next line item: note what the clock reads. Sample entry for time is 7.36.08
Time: 7.24.18
